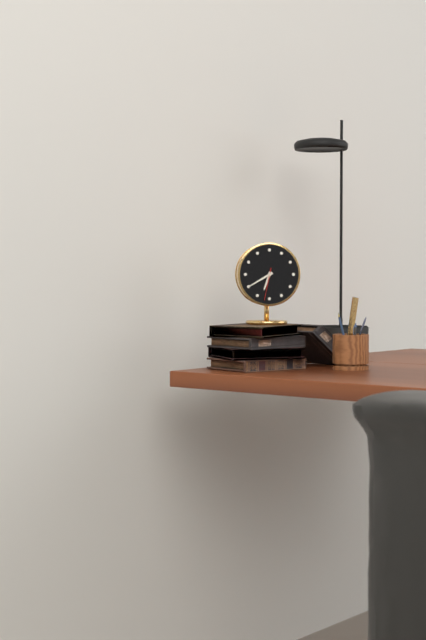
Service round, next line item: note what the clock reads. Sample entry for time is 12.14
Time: 6.40
